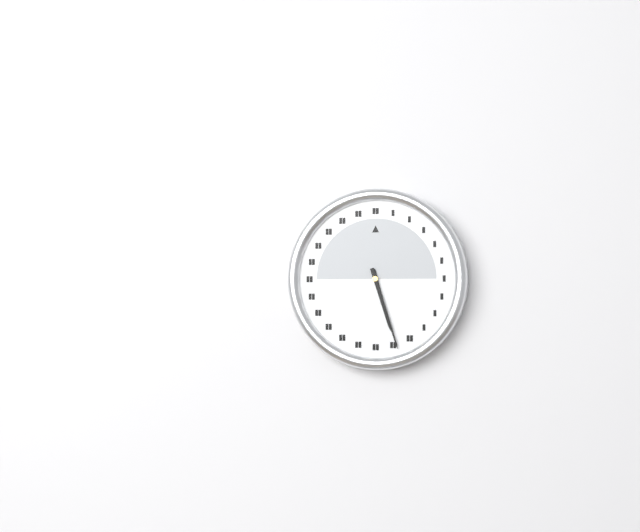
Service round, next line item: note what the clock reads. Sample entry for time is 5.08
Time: 5.27
